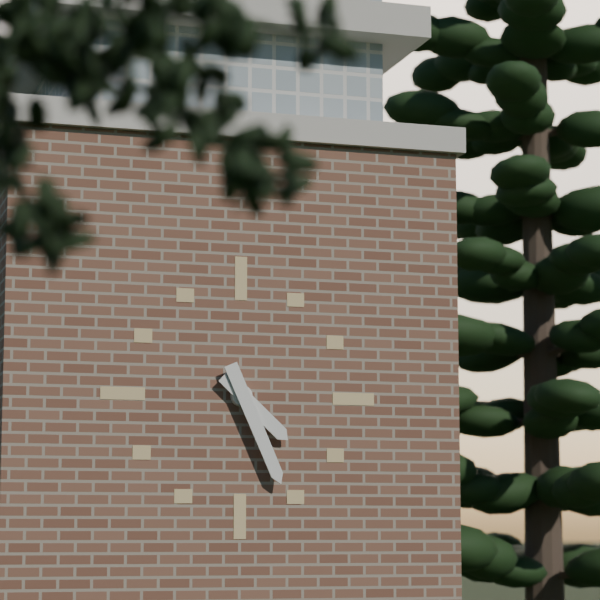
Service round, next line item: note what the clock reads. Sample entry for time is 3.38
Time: 4.26
